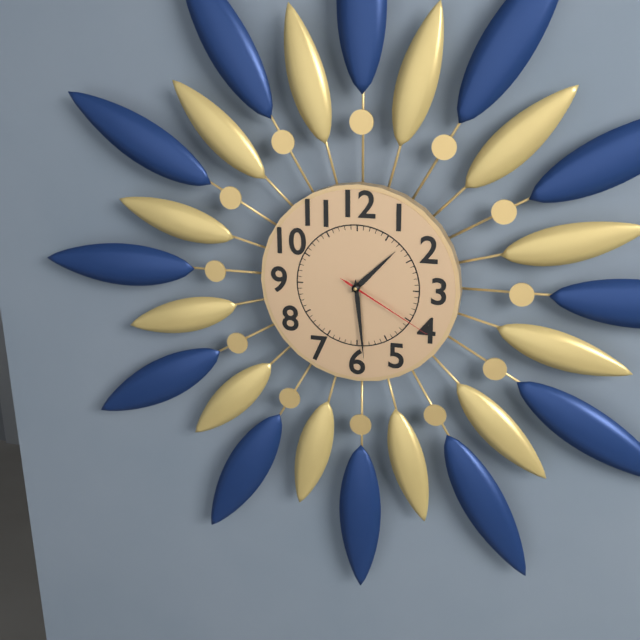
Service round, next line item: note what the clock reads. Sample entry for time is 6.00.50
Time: 1.29.20
